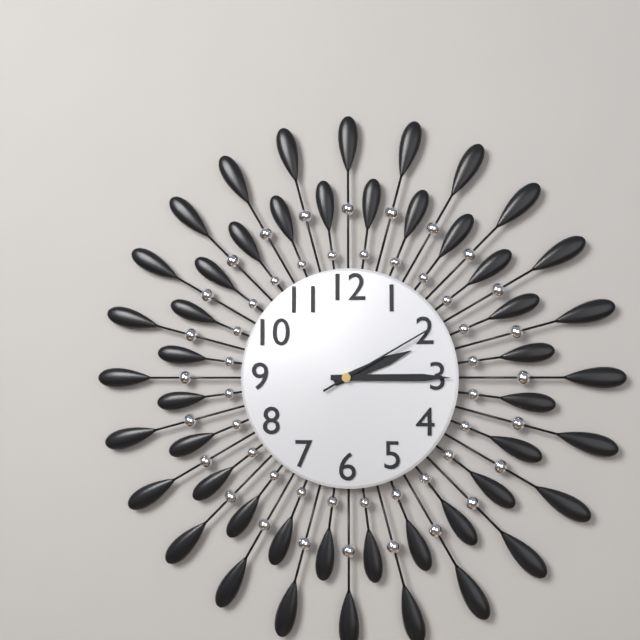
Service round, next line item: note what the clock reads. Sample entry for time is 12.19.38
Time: 2.15.10
